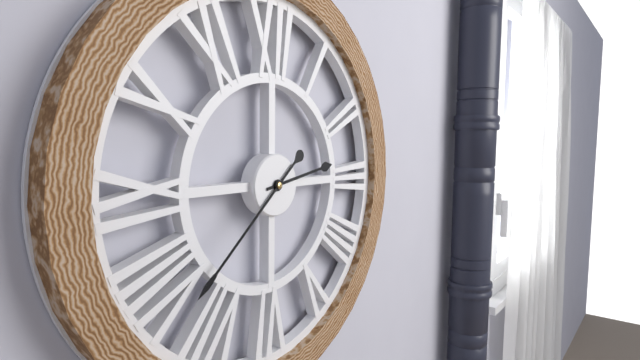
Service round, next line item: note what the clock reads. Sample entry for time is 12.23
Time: 2.38
